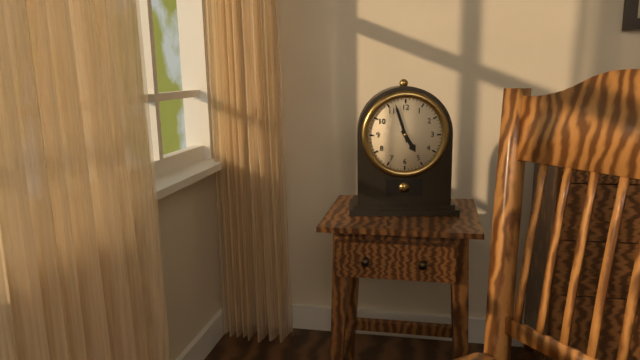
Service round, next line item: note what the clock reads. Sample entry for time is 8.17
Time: 4.57
